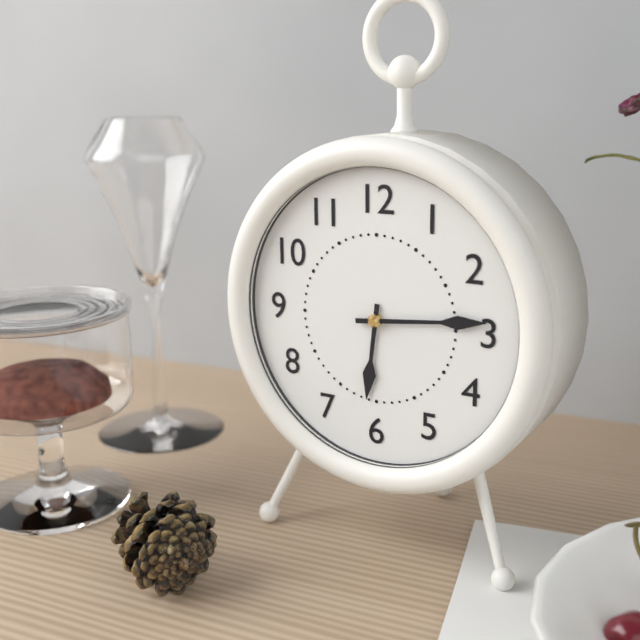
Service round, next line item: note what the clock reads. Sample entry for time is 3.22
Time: 6.14
